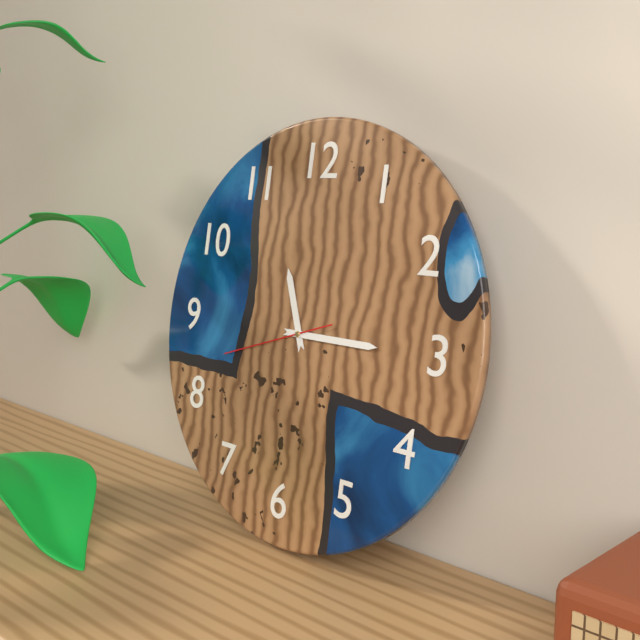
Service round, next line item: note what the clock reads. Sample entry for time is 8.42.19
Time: 11.15.42
